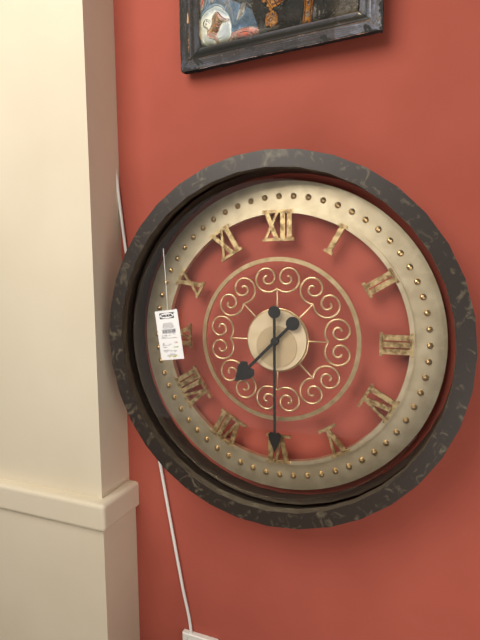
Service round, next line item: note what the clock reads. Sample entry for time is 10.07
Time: 7.30
